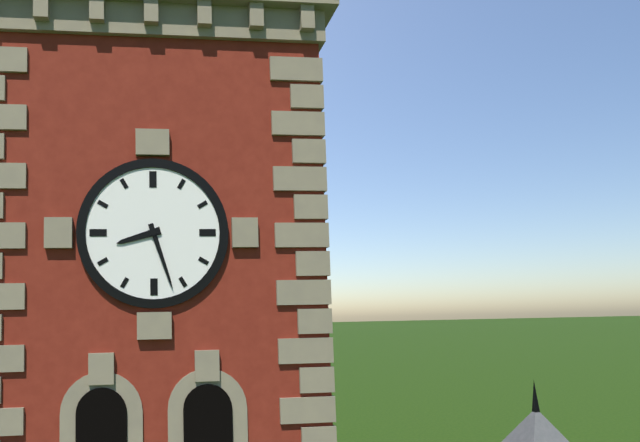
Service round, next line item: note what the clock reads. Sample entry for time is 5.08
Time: 8.27
